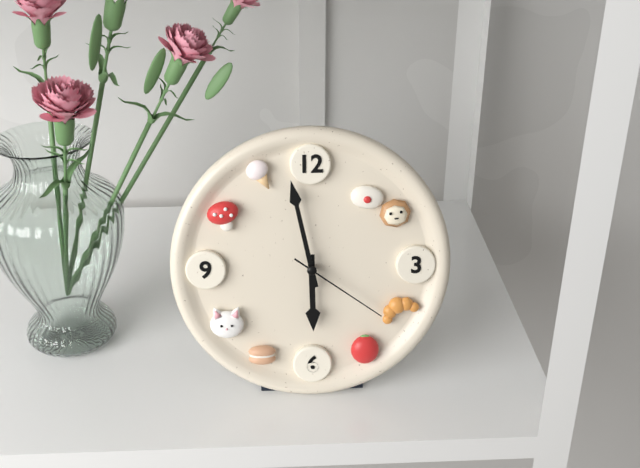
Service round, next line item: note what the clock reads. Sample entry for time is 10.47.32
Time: 5.58.21
